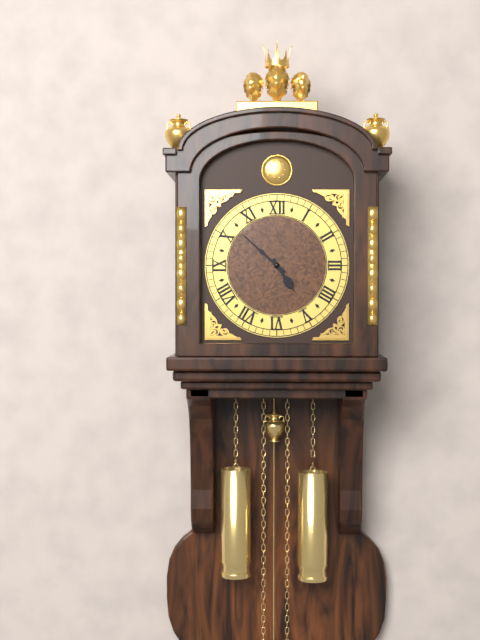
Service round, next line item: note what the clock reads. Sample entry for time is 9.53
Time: 4.52
